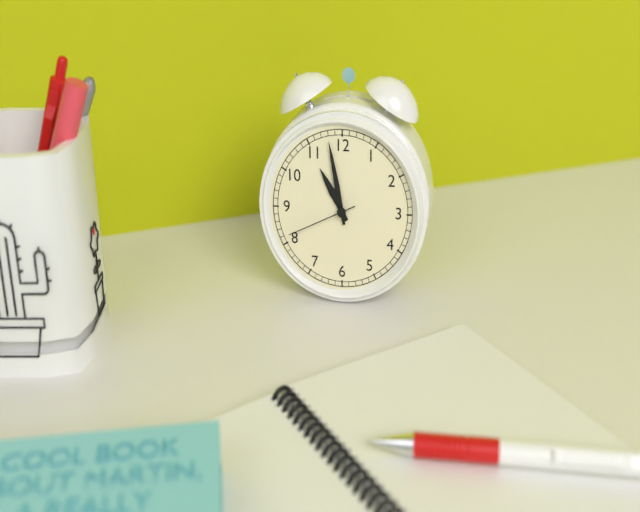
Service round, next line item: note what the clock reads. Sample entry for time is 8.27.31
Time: 10.58.41
